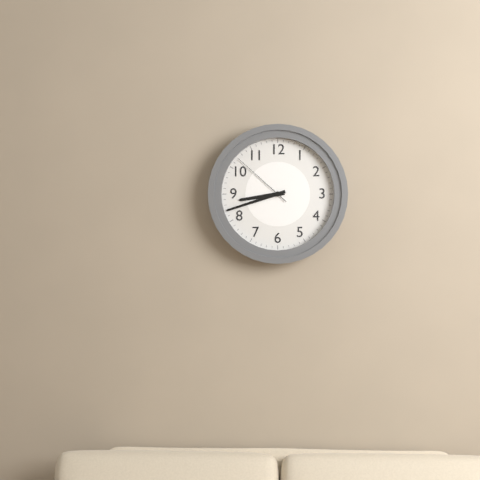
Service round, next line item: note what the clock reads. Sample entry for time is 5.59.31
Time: 8.42.52
